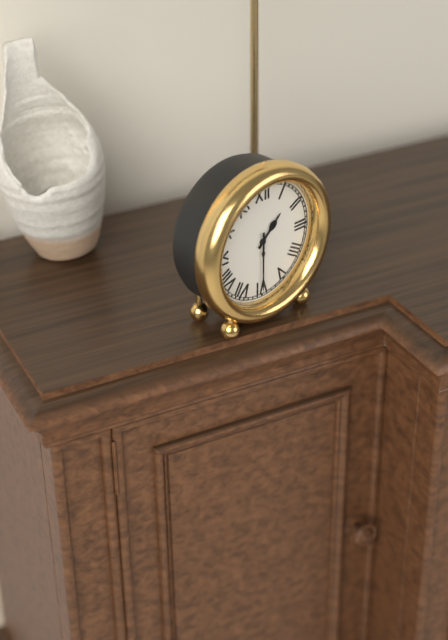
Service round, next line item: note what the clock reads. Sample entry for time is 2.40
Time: 1.30
